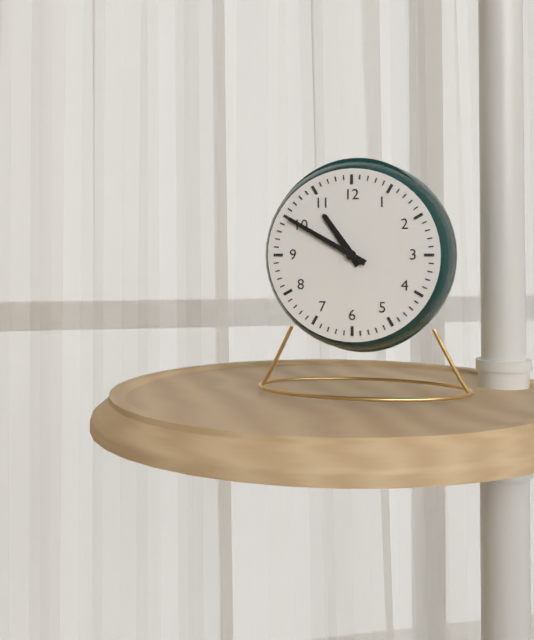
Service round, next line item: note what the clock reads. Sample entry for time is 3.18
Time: 10.50
